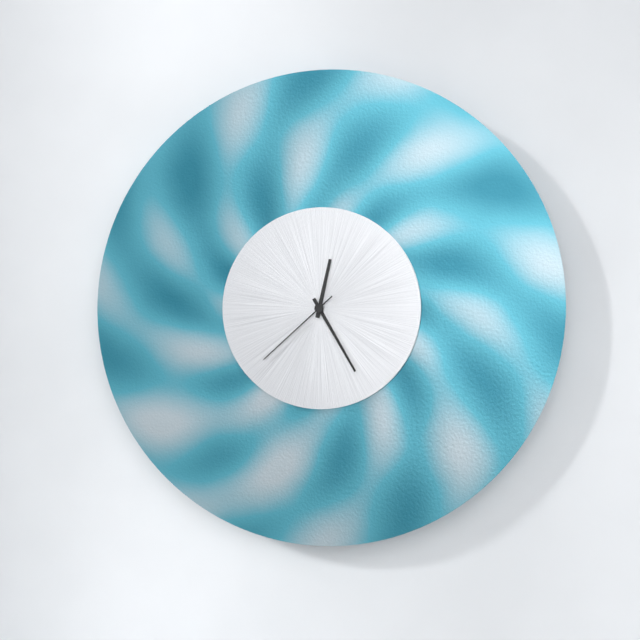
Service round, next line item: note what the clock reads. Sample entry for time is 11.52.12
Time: 12.25.38
